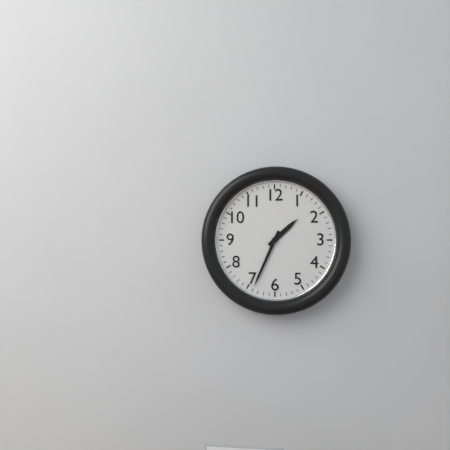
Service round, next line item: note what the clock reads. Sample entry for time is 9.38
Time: 1.34
